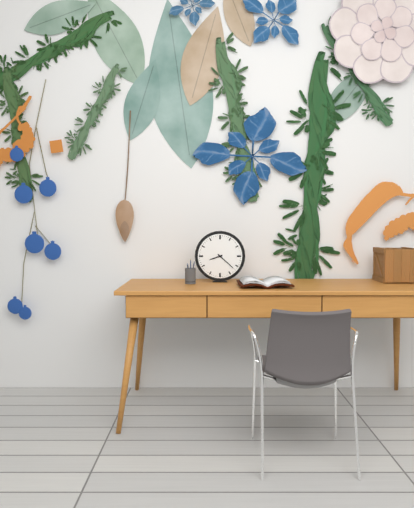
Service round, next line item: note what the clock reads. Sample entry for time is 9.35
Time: 8.22
